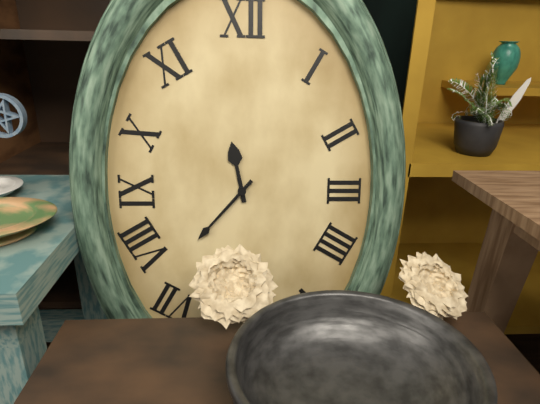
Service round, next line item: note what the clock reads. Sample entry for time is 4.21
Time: 11.37
